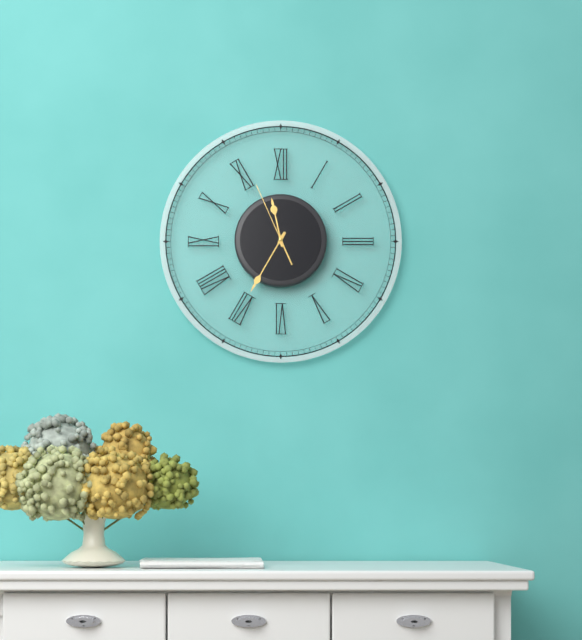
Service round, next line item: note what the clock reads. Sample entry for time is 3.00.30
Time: 11.35.56
